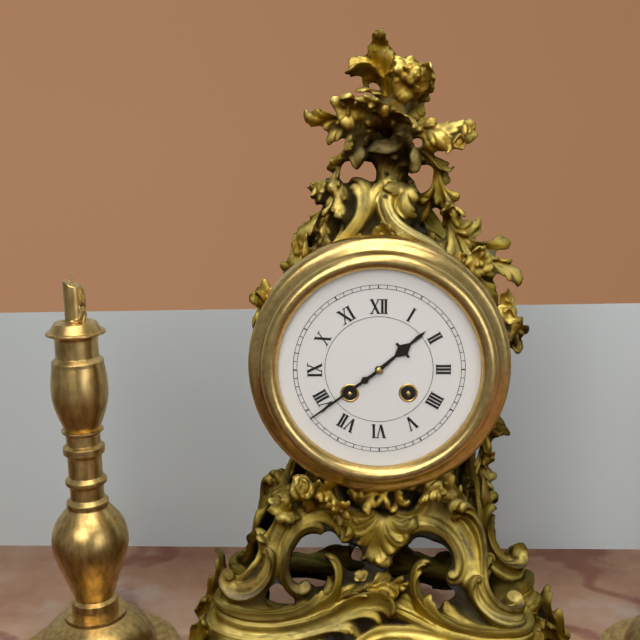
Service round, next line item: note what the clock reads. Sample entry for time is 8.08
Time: 1.39
